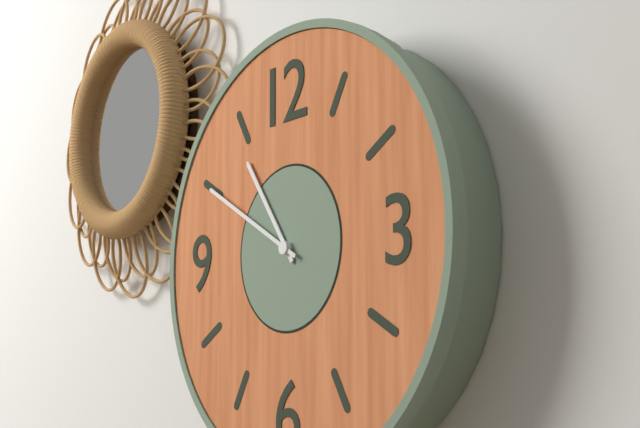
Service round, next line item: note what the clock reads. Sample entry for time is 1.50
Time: 10.50
